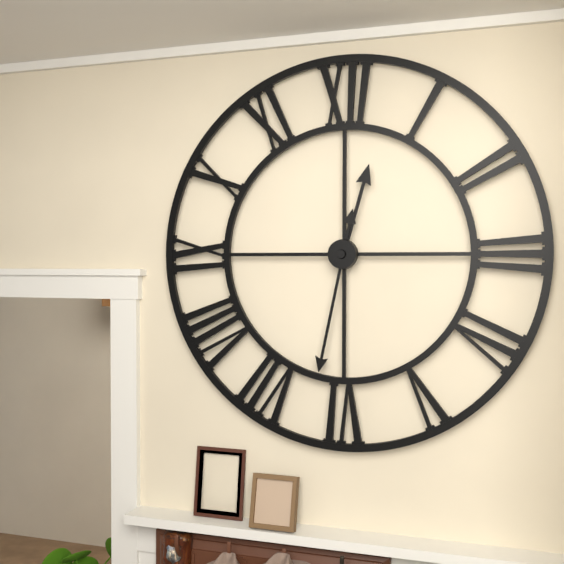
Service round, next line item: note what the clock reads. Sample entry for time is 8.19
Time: 12.32
